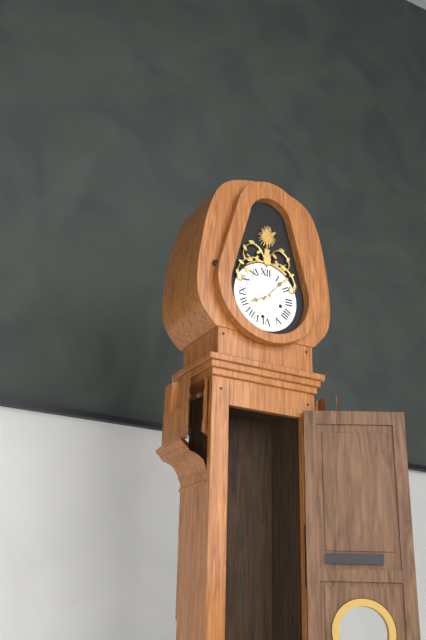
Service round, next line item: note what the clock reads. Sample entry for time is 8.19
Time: 8.07
